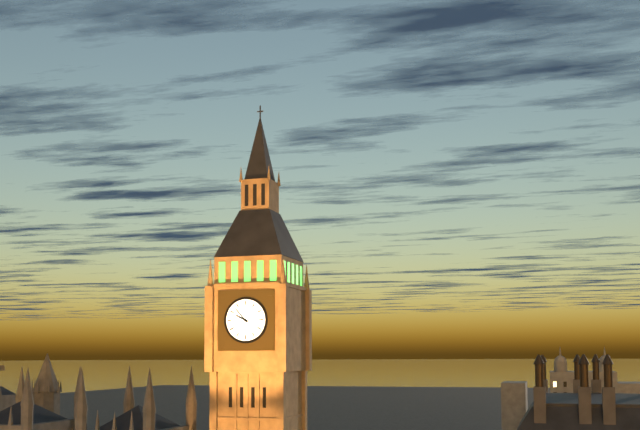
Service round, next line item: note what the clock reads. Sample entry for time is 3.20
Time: 9.53
